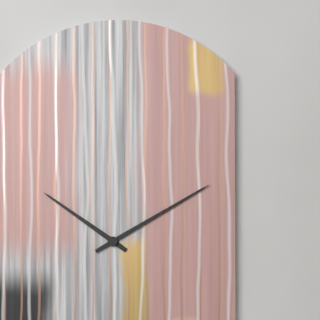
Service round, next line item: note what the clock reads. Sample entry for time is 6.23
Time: 10.10
